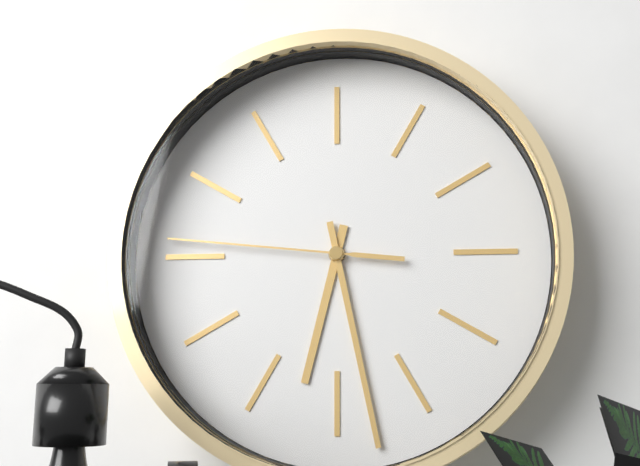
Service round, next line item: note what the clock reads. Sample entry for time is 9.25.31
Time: 6.28.46
